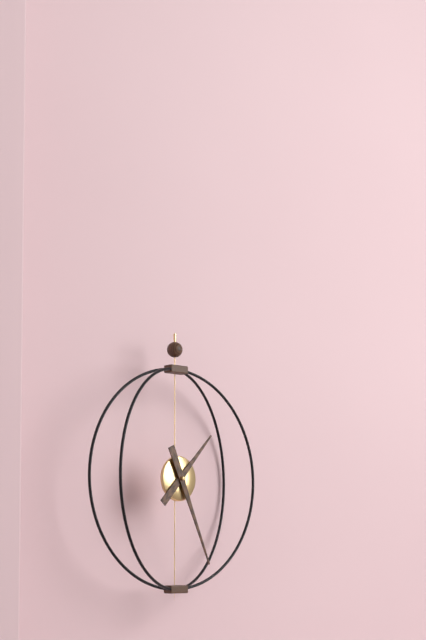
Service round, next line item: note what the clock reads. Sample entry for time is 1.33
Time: 1.26
